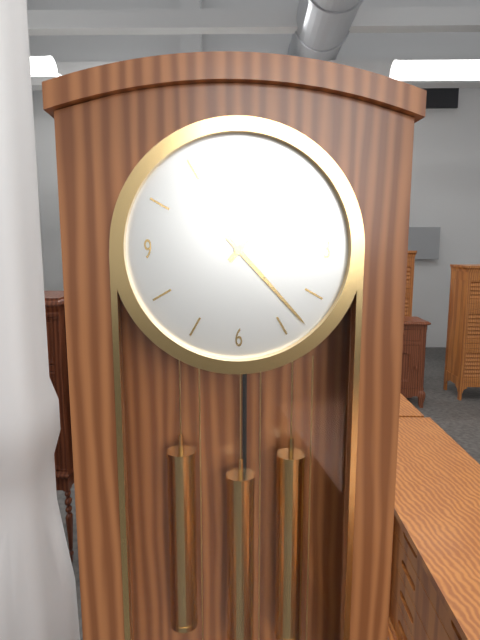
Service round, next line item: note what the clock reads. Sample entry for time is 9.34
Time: 1.23
